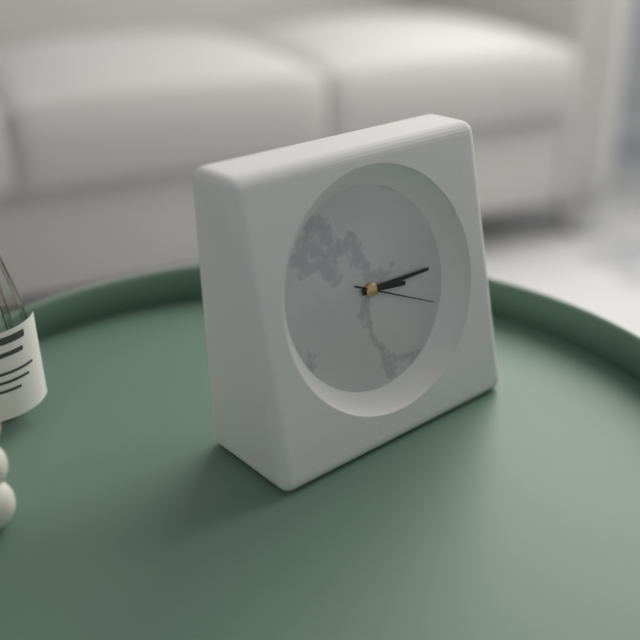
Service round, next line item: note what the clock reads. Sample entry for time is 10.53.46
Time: 3.15.19
